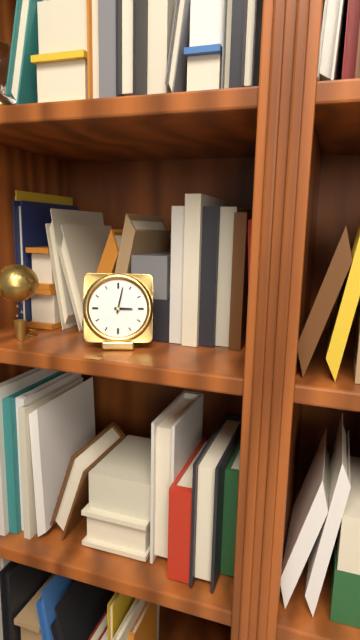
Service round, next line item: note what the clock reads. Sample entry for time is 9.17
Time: 3.02
